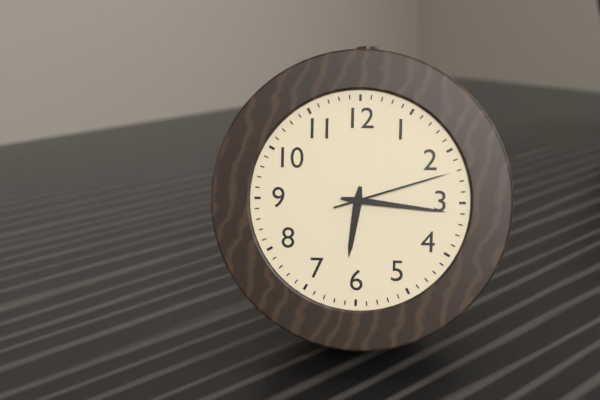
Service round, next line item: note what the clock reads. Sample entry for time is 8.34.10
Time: 6.16.12
